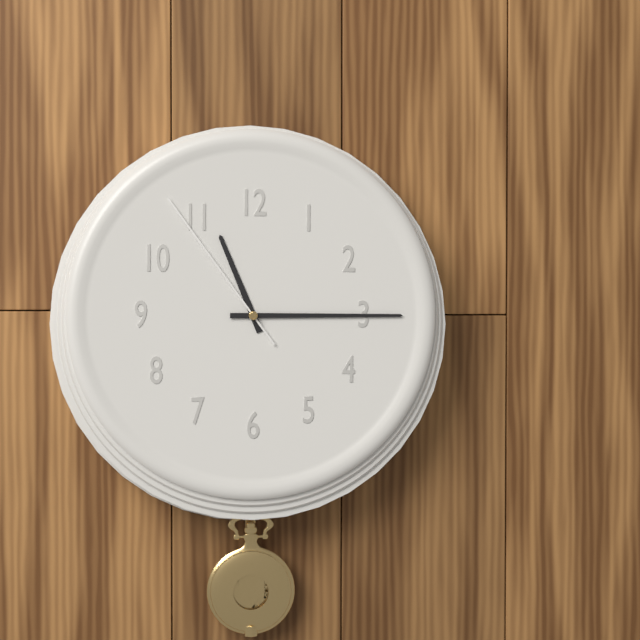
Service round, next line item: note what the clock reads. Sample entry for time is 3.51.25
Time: 11.15.54
